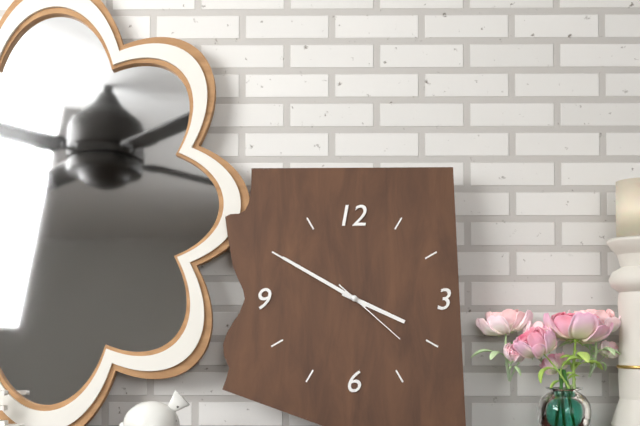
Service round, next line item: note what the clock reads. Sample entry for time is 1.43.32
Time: 3.50.22
